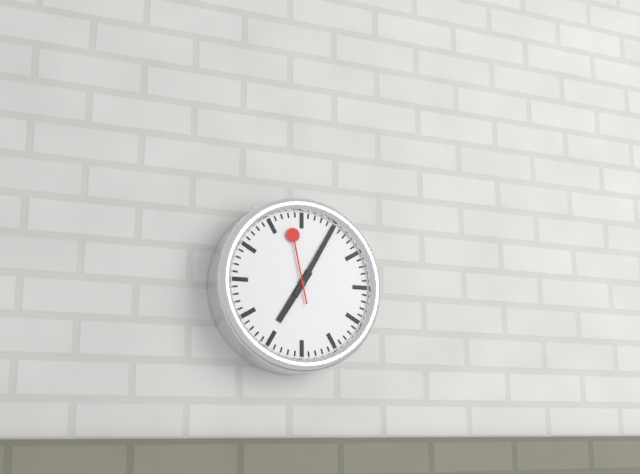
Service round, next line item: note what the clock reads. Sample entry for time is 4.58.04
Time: 7.05.58
